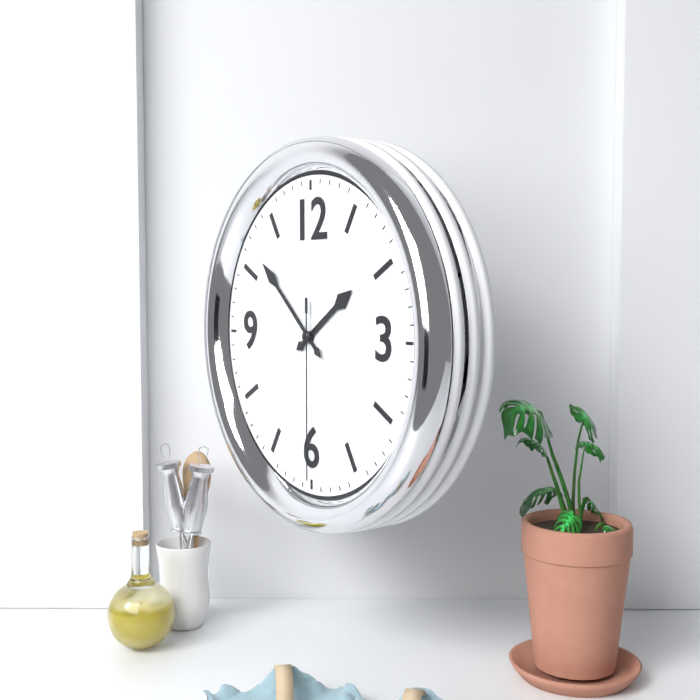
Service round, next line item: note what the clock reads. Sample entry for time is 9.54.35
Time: 1.52.30
